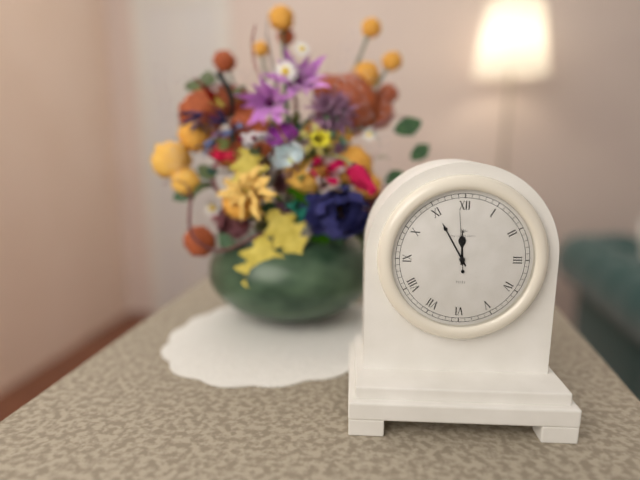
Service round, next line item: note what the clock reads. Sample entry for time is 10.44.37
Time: 11.55.59
